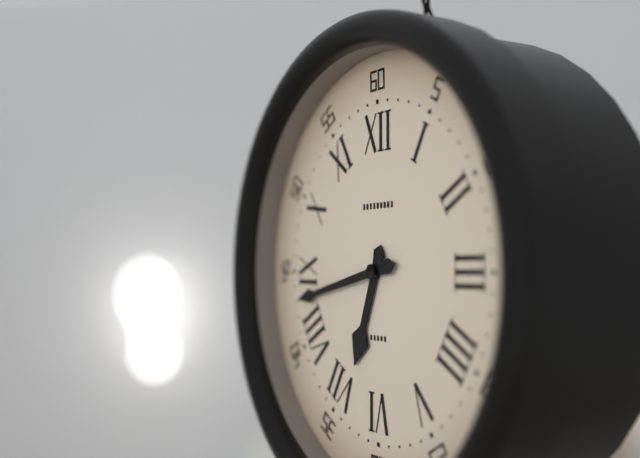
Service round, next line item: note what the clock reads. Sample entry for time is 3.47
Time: 6.43
